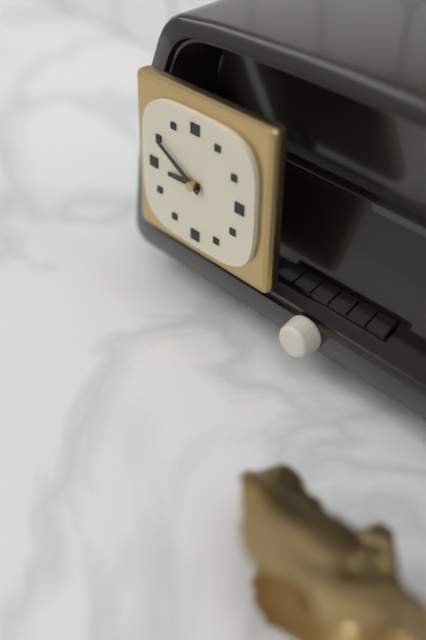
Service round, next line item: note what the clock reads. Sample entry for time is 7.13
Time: 8.50
